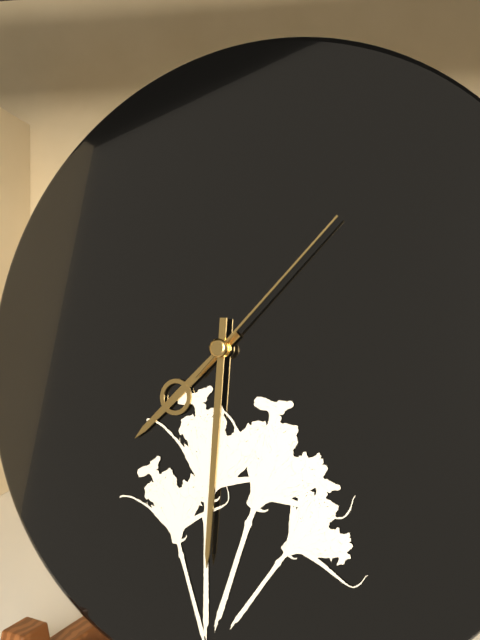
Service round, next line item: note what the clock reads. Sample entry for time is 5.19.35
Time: 7.30.07
